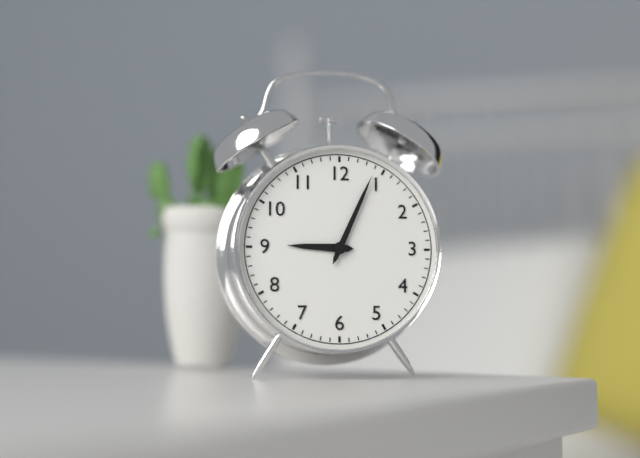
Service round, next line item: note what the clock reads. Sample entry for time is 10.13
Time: 9.04
